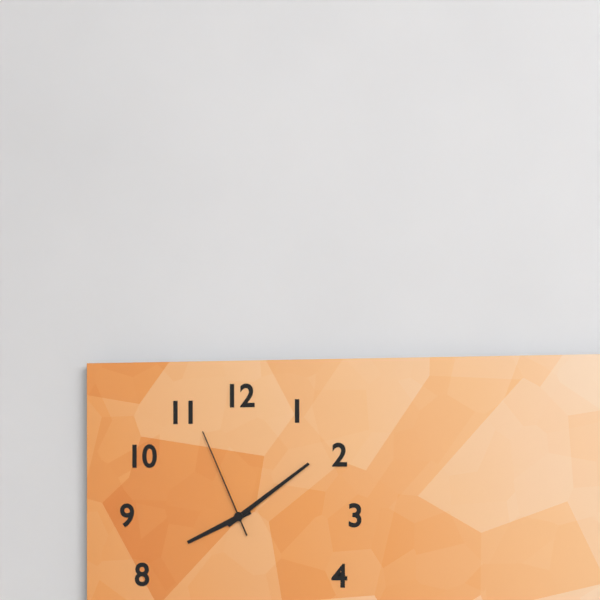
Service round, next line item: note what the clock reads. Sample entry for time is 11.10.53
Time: 8.09.56
